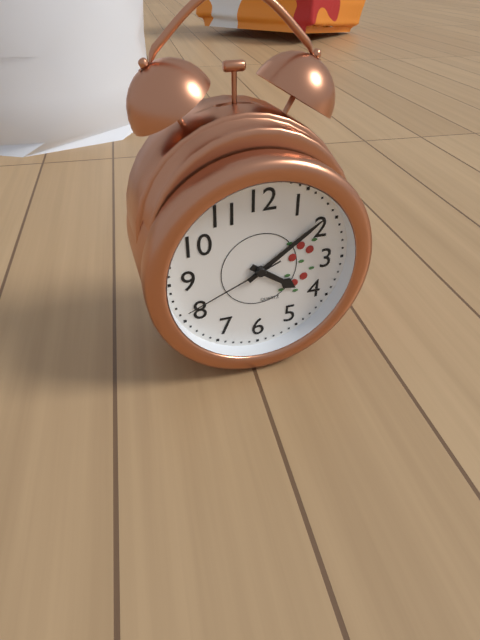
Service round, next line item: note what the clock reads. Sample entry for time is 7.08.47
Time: 4.09.41
